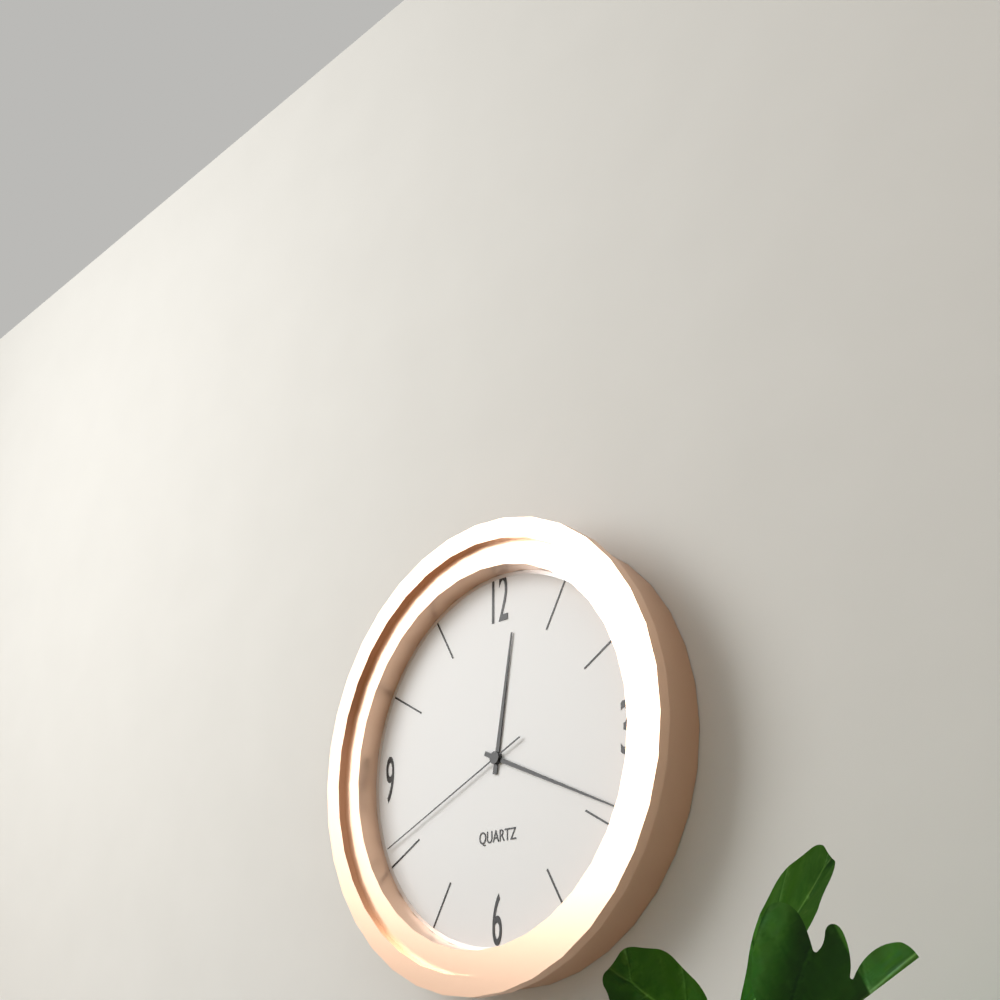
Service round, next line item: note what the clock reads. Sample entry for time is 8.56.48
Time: 12.19.41
